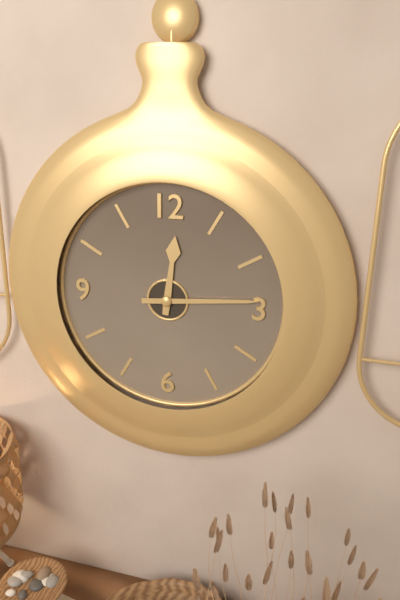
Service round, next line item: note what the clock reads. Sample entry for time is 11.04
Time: 12.14
